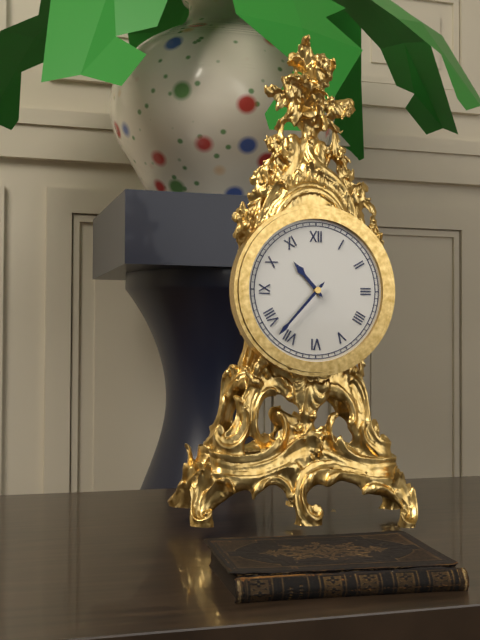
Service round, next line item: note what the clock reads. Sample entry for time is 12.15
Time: 10.37
